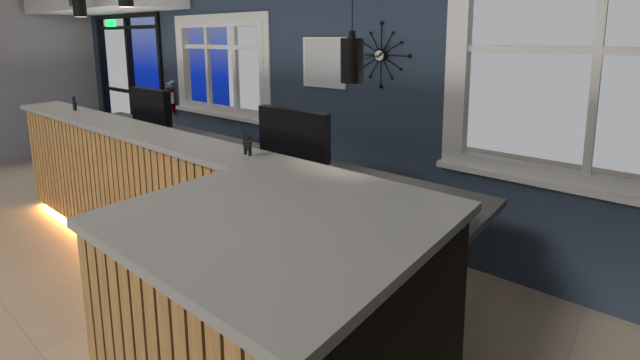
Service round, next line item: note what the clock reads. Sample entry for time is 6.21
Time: 1.43
